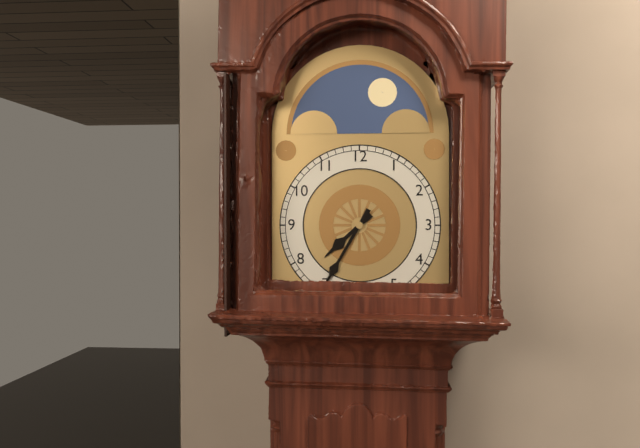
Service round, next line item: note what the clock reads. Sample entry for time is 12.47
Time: 7.35
